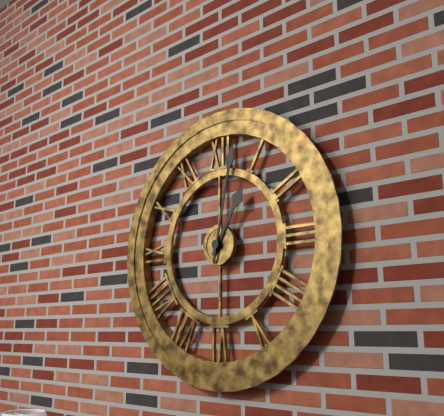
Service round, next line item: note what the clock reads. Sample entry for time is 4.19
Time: 1.02
